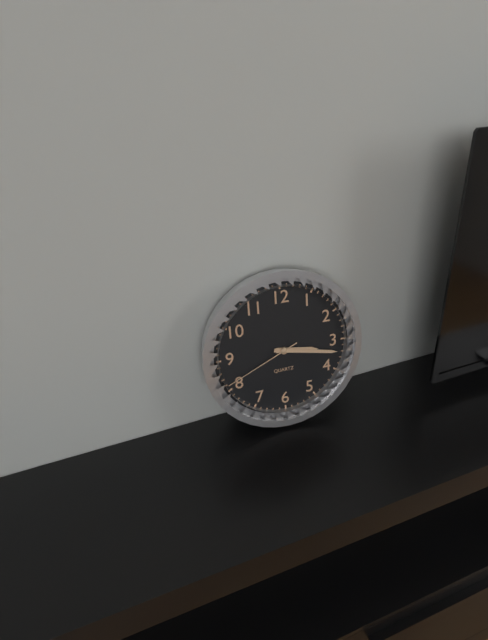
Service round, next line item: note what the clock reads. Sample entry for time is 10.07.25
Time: 3.17.41
